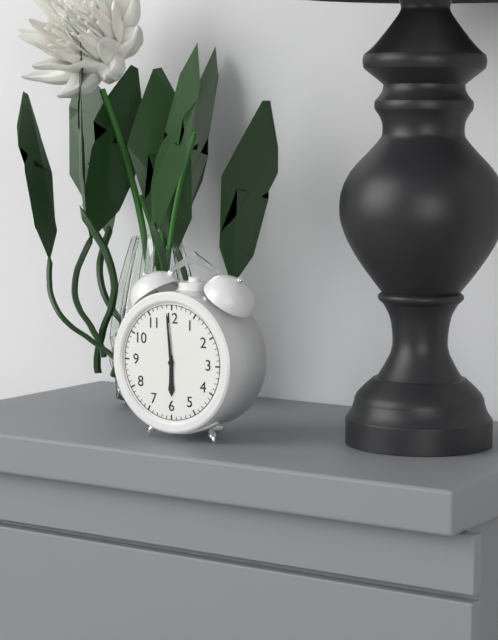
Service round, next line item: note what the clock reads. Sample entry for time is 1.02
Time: 5.59
